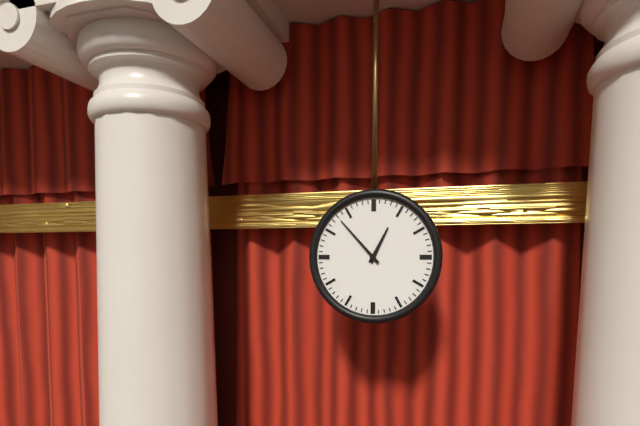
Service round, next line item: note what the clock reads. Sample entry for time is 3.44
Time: 12.53
